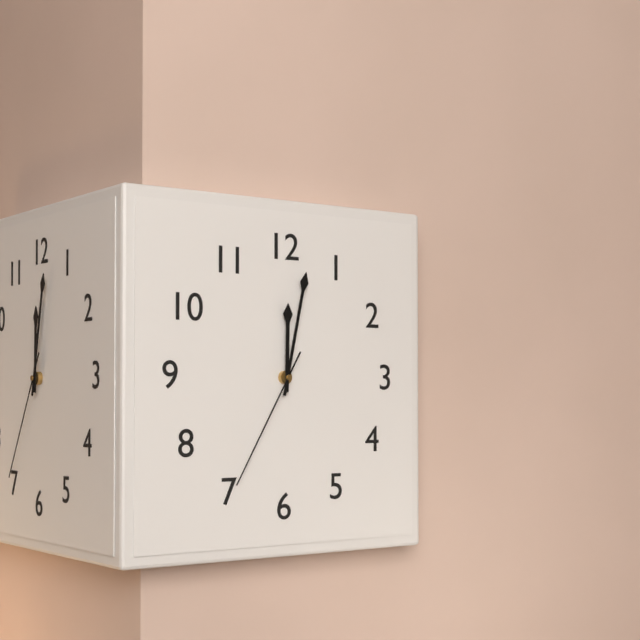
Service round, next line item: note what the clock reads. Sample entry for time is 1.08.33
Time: 12.02.35
